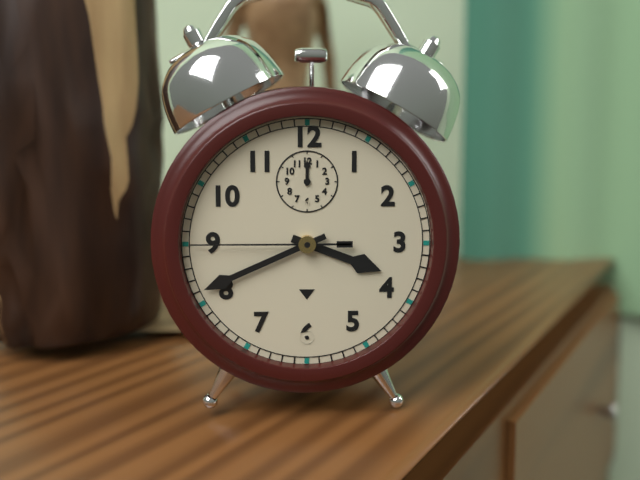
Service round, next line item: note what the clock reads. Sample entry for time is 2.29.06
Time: 3.41.45
